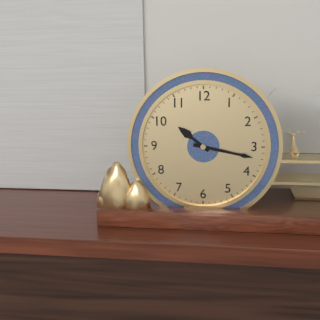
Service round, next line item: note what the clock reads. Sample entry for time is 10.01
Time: 10.17
